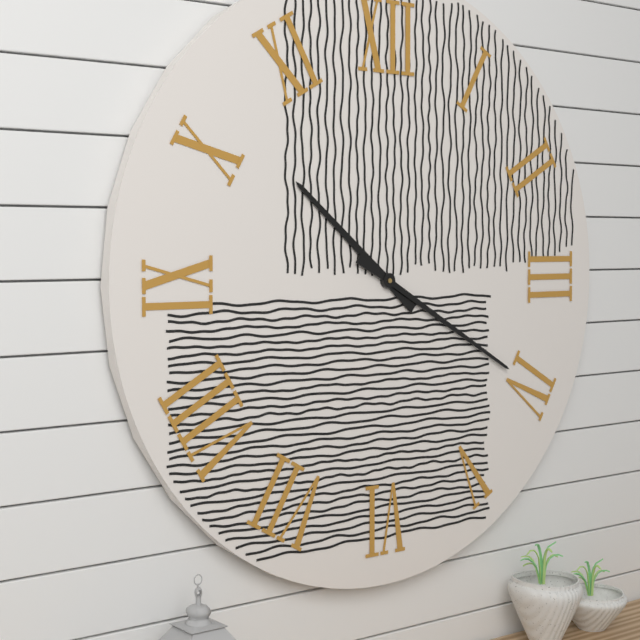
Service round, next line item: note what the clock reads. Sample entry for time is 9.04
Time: 10.20
